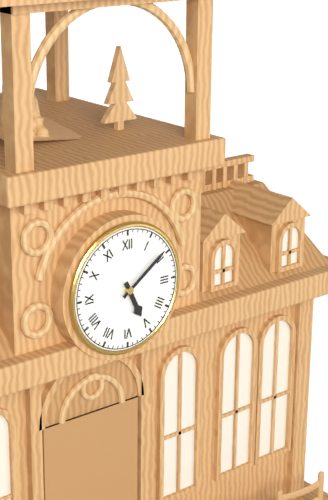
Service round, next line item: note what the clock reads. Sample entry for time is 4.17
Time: 5.09
